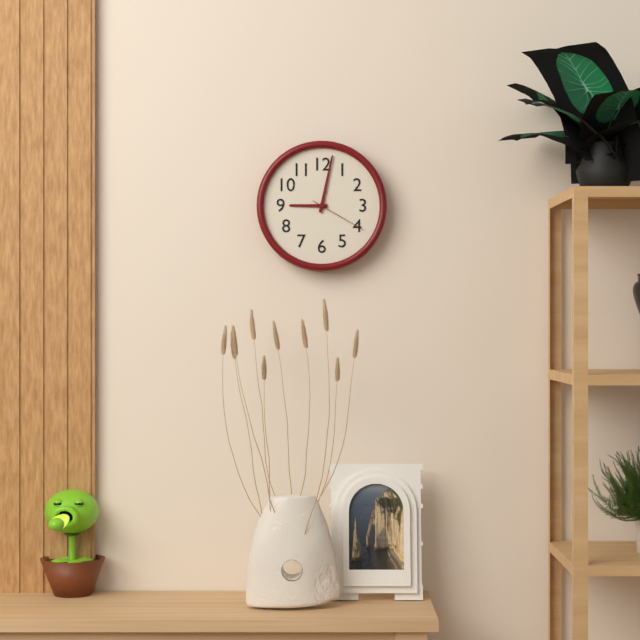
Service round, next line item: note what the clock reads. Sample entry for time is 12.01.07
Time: 9.02.20
